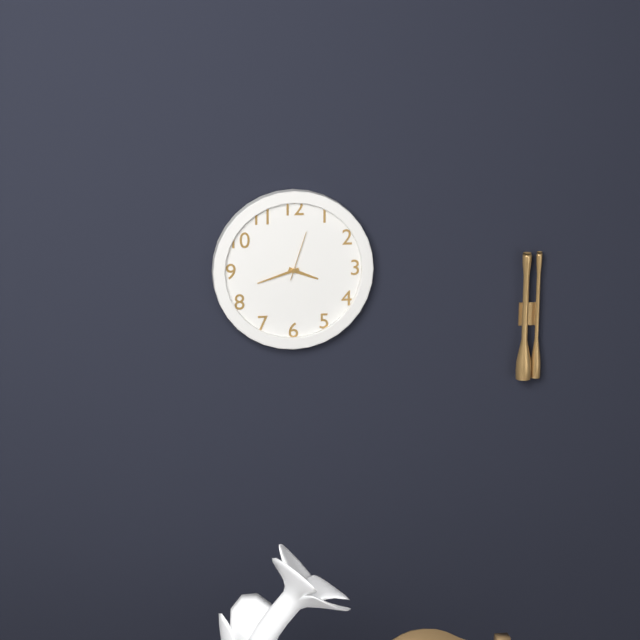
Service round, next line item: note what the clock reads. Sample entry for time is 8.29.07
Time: 3.42.03
